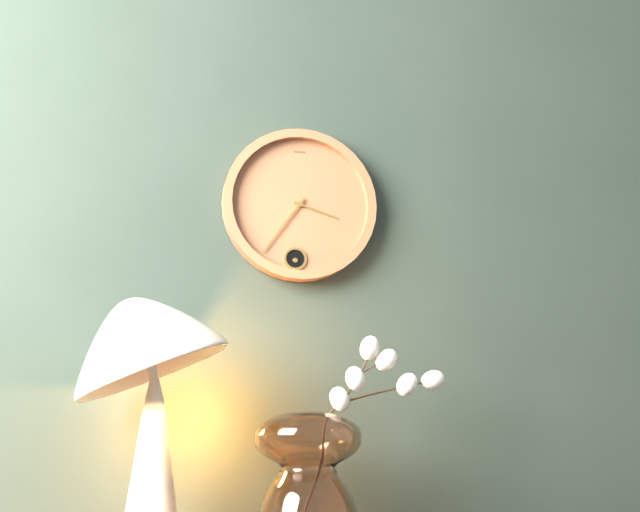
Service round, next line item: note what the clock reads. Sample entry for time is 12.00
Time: 3.36
